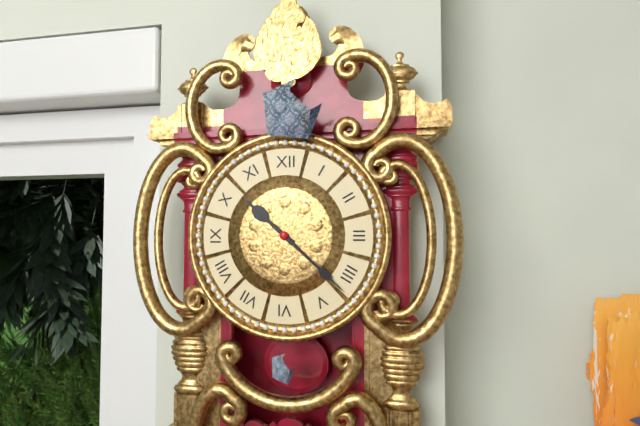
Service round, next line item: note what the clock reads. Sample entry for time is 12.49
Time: 10.22
